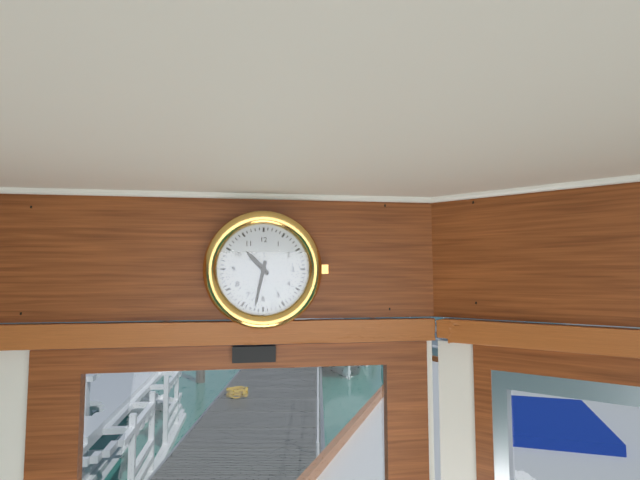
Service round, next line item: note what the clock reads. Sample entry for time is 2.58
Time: 10.32
